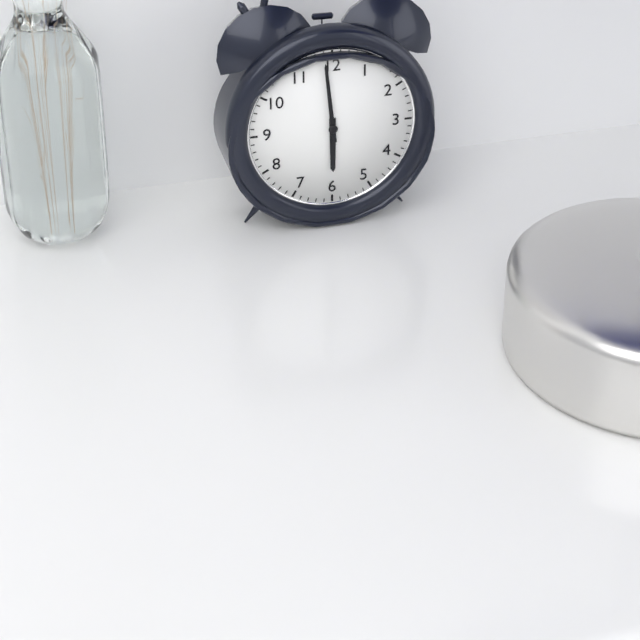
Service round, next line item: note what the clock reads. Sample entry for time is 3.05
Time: 5.59
